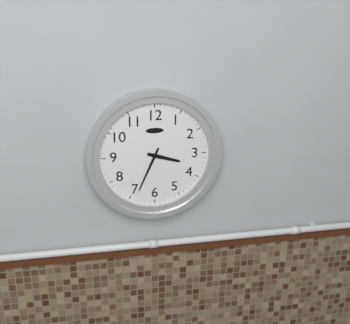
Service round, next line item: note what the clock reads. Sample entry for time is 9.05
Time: 3.34
